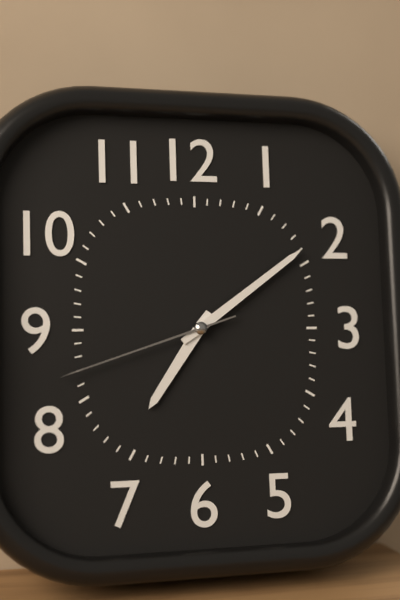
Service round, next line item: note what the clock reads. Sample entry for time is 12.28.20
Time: 7.09.42
